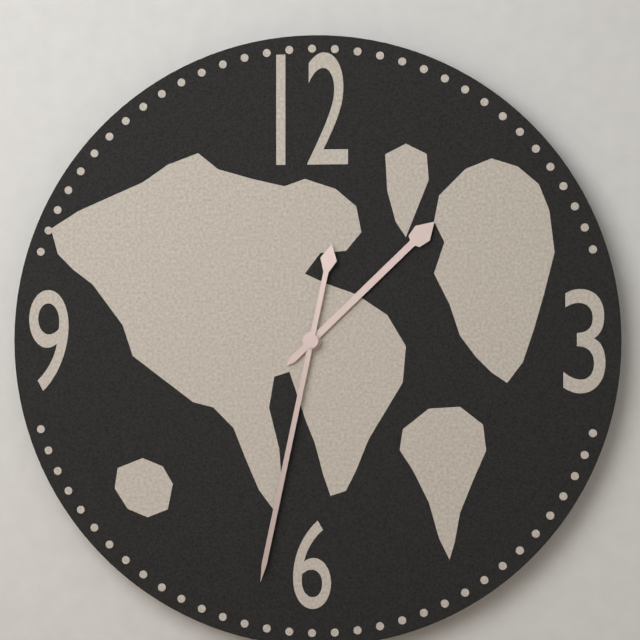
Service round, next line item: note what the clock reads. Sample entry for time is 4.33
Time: 1.32
